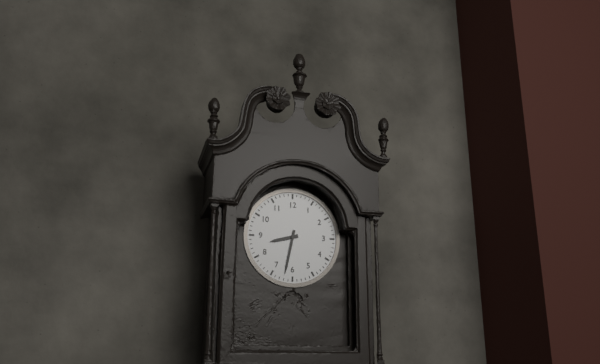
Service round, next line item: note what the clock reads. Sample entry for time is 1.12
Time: 8.32
